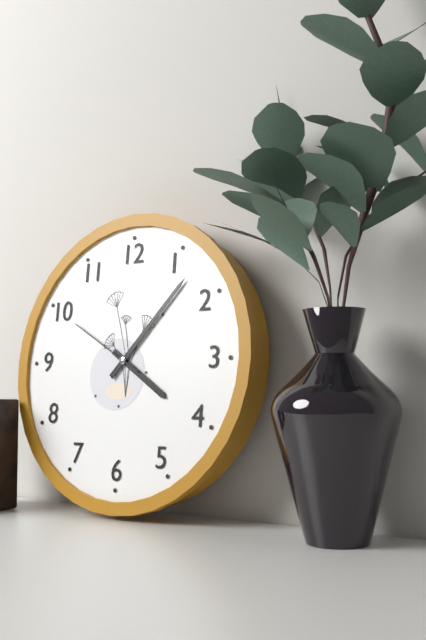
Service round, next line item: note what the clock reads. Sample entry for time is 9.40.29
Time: 4.07.50
